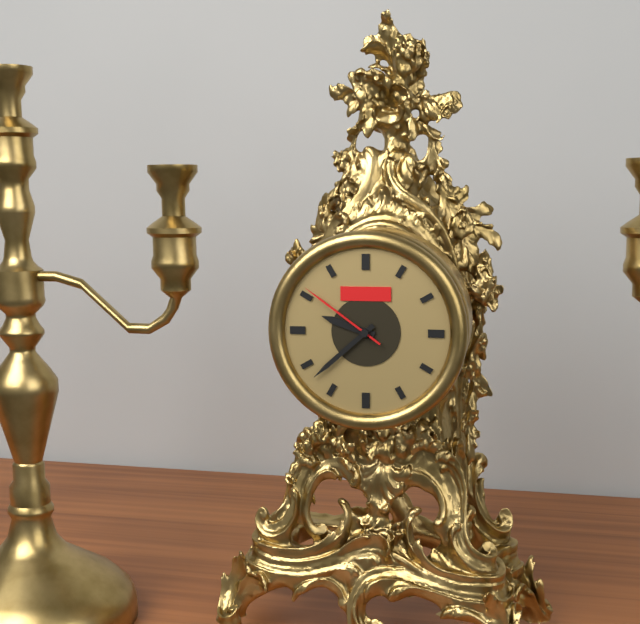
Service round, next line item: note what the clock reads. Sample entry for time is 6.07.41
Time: 9.38.51
